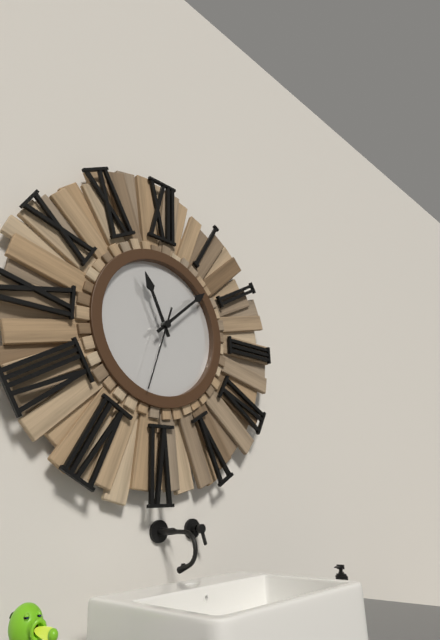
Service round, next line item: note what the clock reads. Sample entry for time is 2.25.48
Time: 11.08.33
